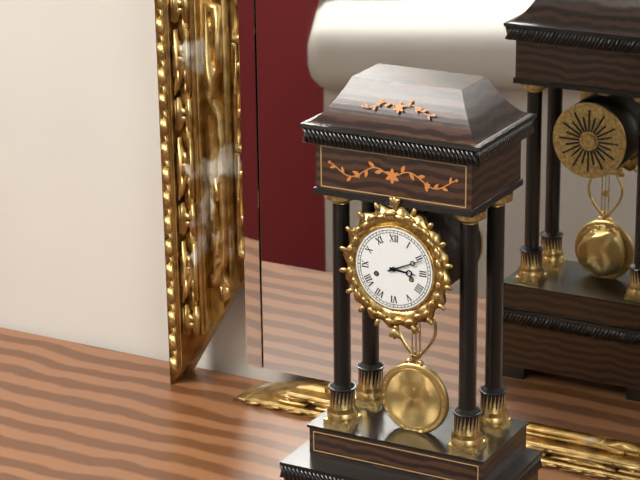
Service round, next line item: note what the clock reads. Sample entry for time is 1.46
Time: 3.11
